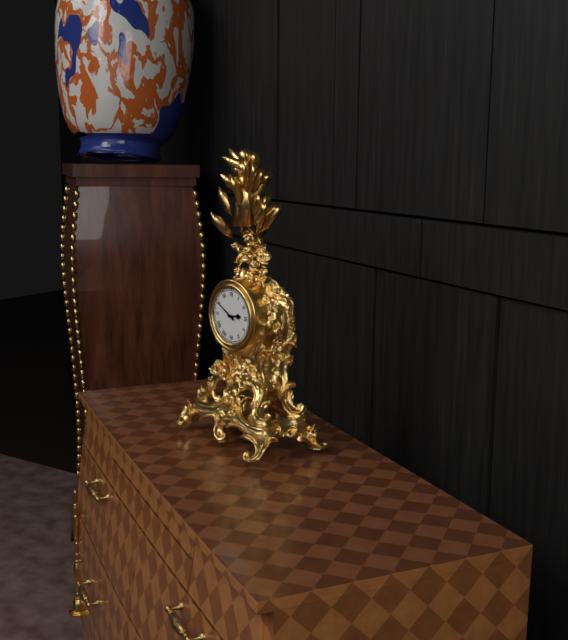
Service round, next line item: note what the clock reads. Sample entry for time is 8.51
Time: 2.50
